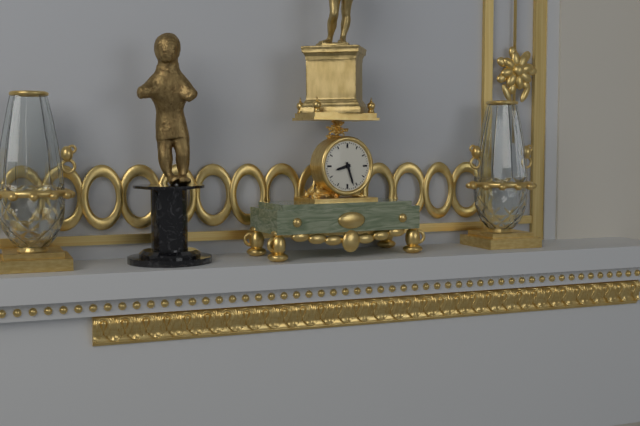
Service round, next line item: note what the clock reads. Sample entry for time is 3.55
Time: 8.27
